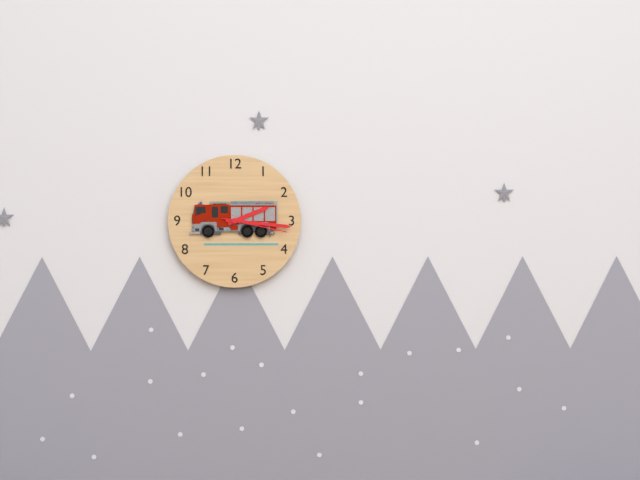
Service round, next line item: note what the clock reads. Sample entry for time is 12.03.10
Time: 2.16.17
